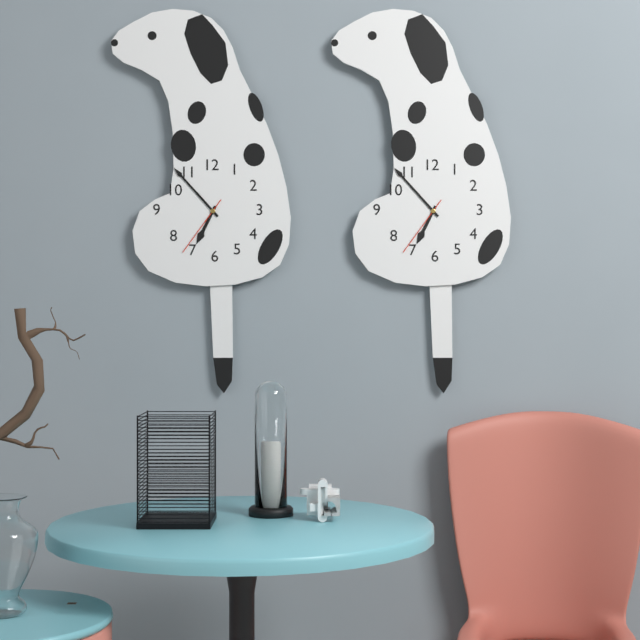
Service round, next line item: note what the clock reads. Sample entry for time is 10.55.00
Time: 6.53.36
